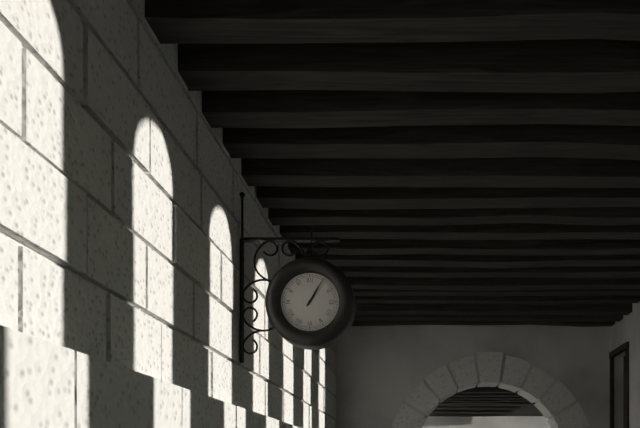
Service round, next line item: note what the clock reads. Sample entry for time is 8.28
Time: 1.05
